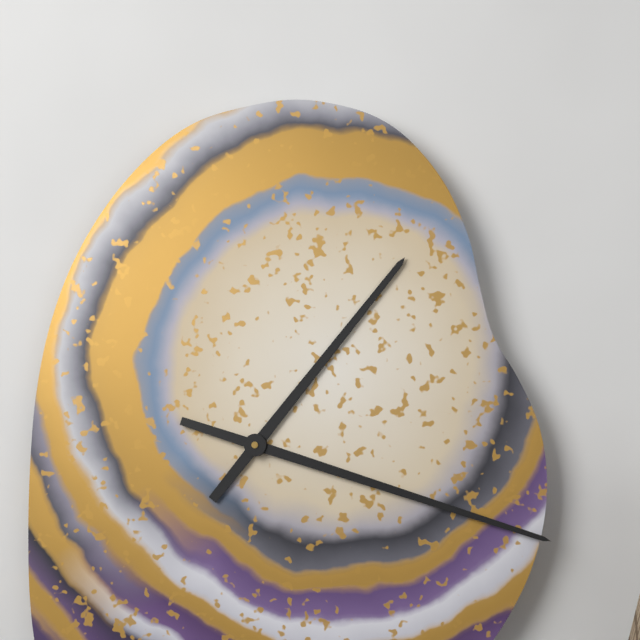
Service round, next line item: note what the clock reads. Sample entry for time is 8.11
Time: 1.18
